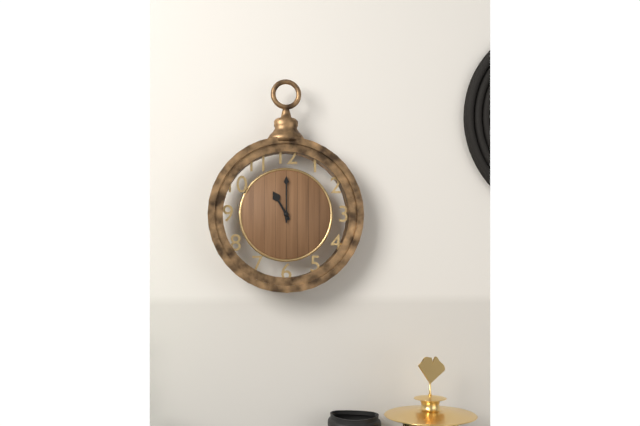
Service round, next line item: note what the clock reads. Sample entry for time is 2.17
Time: 11.00
